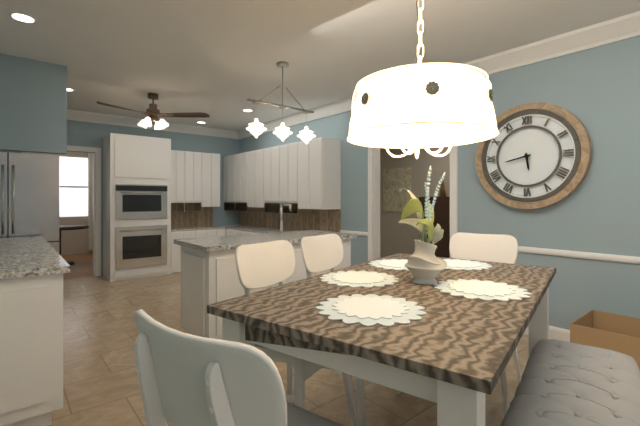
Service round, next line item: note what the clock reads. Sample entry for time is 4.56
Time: 5.43
